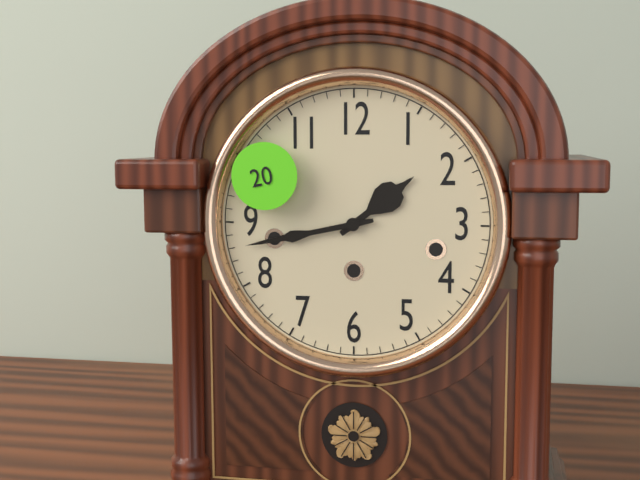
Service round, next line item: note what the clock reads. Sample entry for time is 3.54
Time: 1.43
